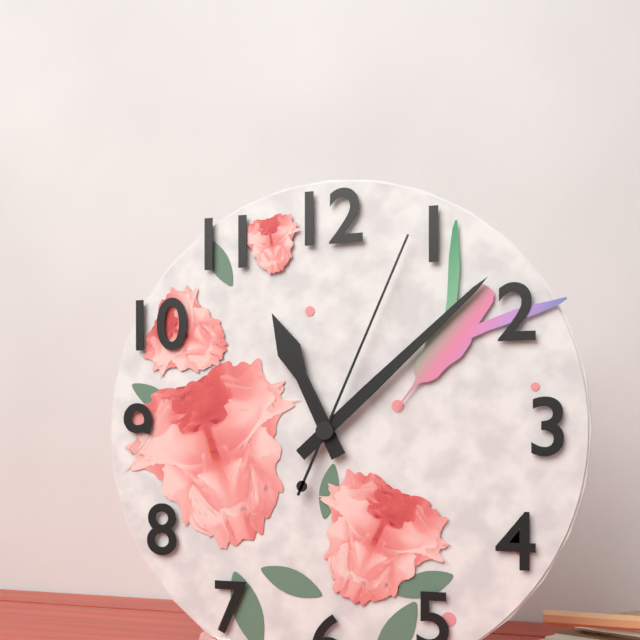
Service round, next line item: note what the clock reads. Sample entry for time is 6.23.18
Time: 11.08.04
